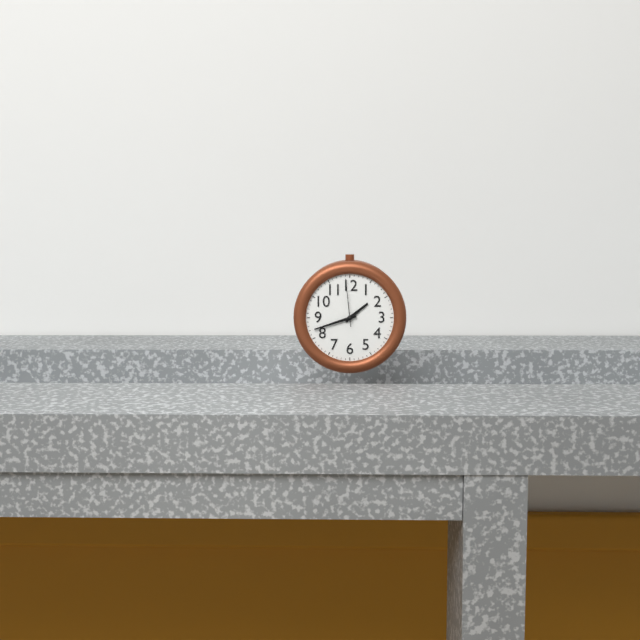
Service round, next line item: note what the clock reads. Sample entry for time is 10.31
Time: 1.42
